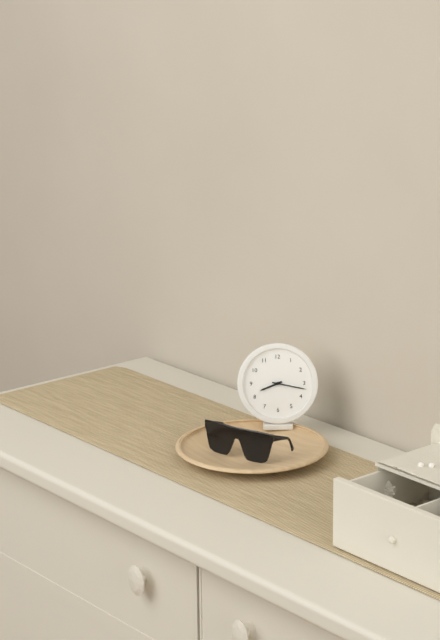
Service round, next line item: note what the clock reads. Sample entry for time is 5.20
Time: 8.17
